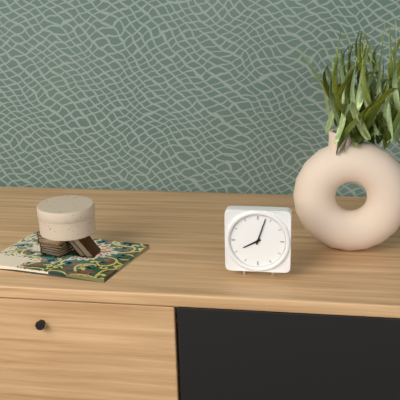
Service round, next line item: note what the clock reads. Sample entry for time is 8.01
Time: 8.03
